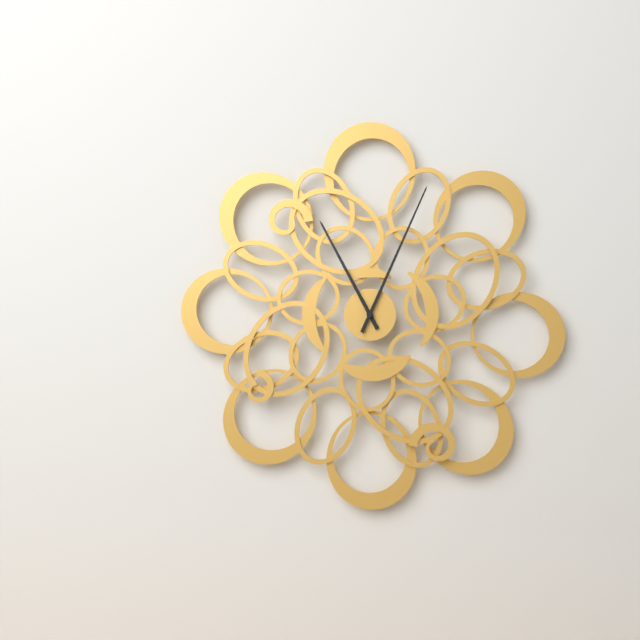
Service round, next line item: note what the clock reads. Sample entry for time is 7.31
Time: 11.04
